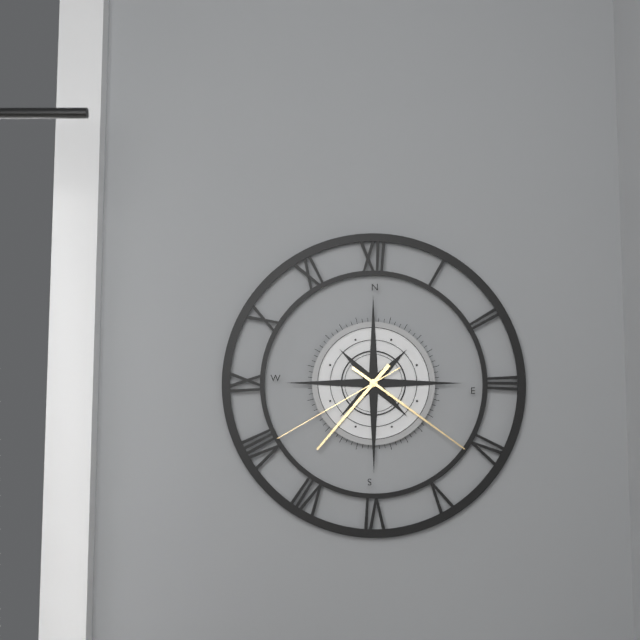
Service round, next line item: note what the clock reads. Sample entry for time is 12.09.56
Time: 7.21.40
